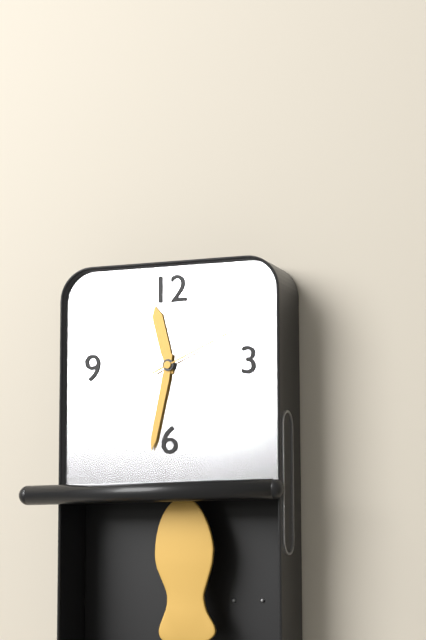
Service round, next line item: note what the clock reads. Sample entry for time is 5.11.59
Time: 11.32.11
